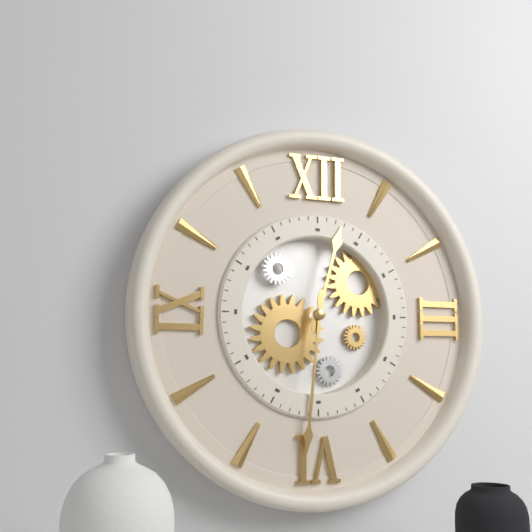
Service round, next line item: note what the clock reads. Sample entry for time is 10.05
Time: 12.31
